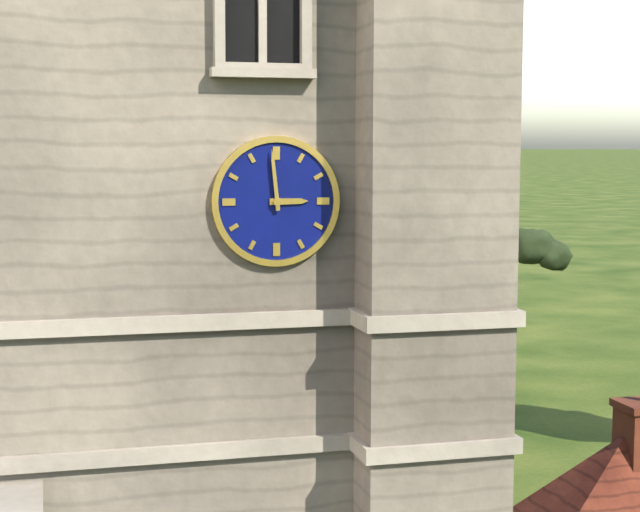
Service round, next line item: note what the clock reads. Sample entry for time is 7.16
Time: 2.59
